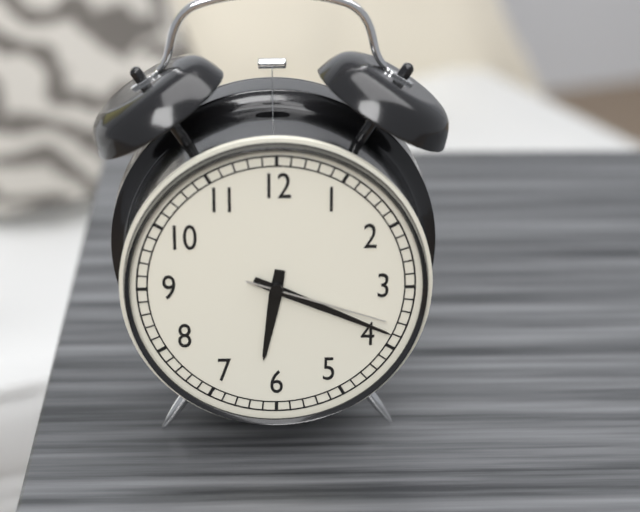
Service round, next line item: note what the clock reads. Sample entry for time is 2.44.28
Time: 6.19.18
